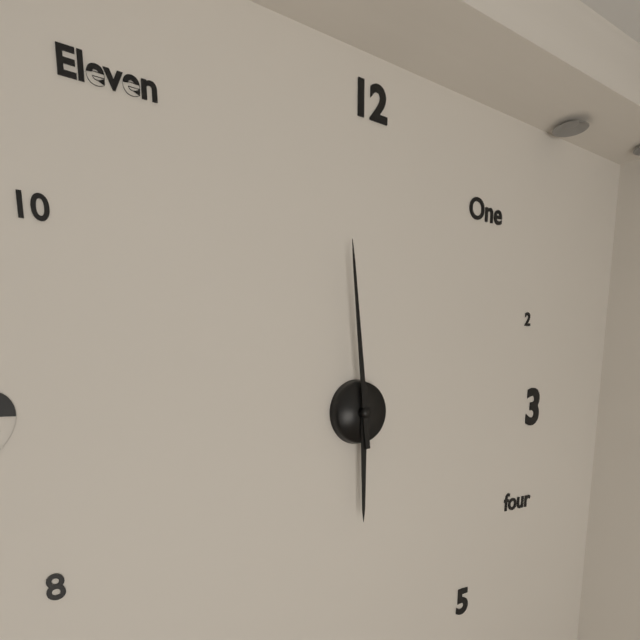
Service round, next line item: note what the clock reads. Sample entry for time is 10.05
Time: 5.59
